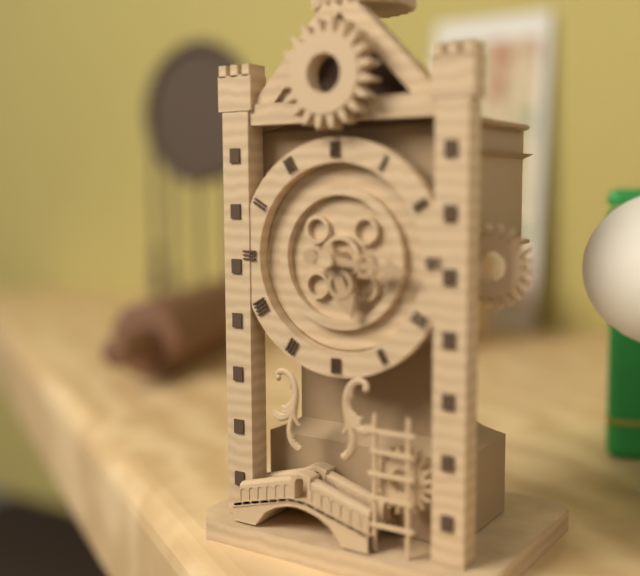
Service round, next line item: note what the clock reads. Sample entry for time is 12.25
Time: 5.16
